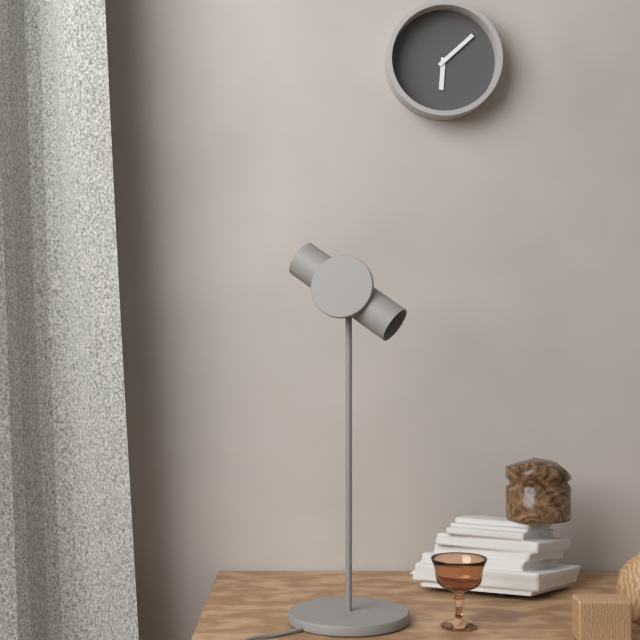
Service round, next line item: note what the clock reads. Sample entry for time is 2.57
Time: 6.08
